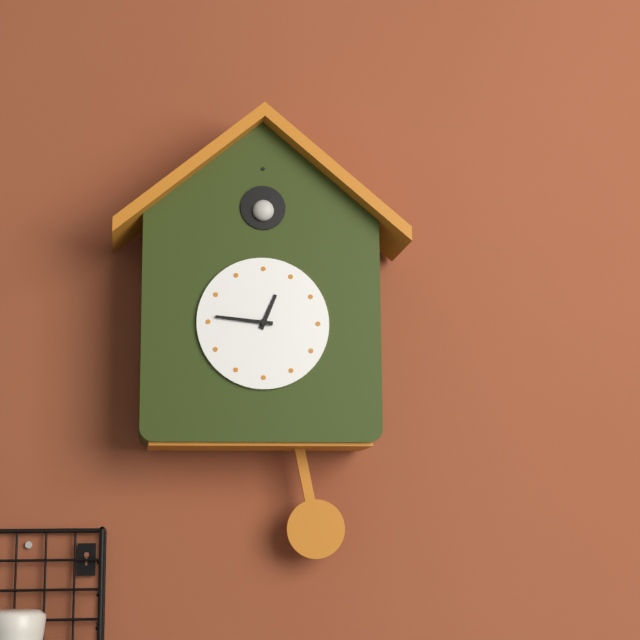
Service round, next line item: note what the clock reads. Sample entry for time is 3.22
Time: 12.46
